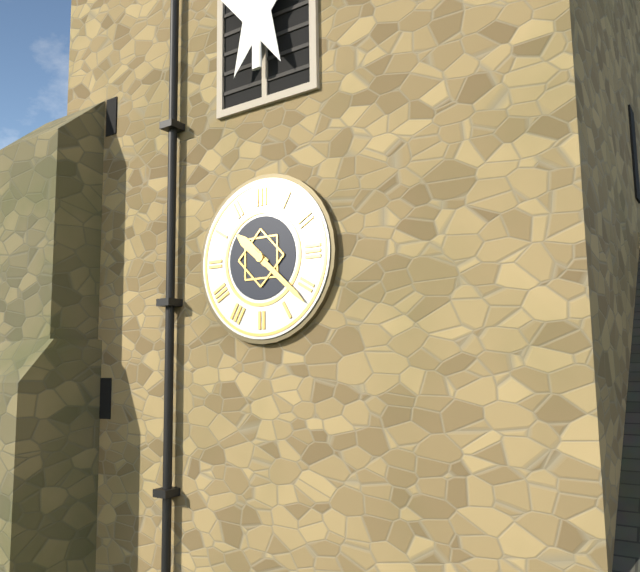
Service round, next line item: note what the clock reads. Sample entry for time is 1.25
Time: 10.22
